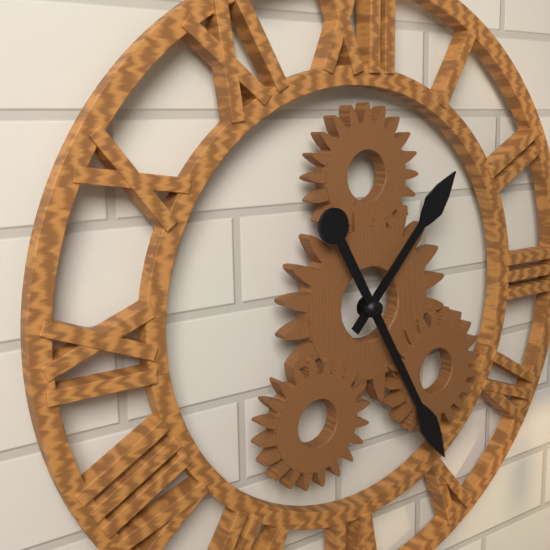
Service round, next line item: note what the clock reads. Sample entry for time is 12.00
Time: 1.25
